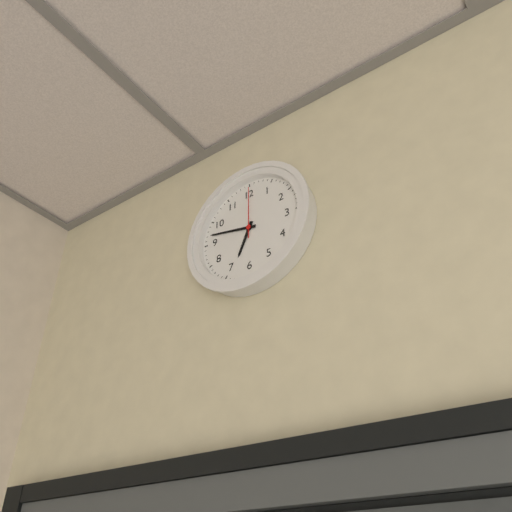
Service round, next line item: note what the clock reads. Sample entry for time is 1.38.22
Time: 6.47.00
